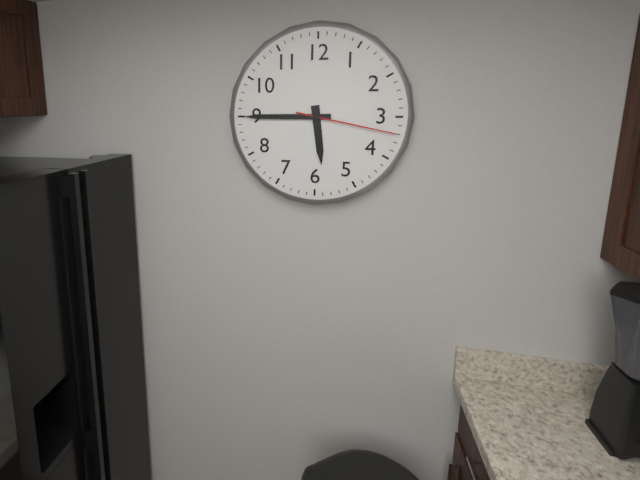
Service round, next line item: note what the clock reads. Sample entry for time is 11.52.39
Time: 5.45.17
